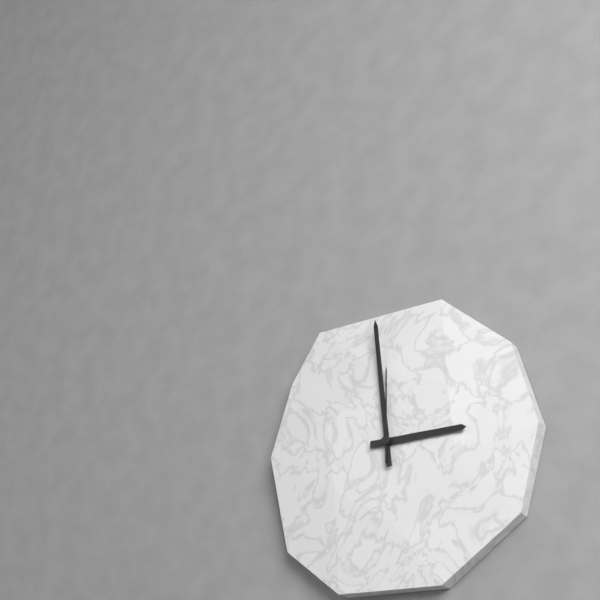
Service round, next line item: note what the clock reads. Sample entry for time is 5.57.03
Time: 2.59.00
